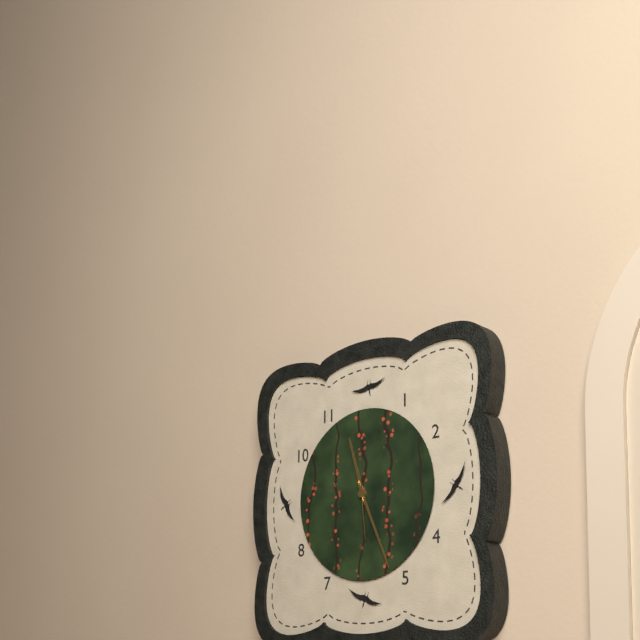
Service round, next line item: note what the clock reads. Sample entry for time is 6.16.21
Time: 11.26.29
